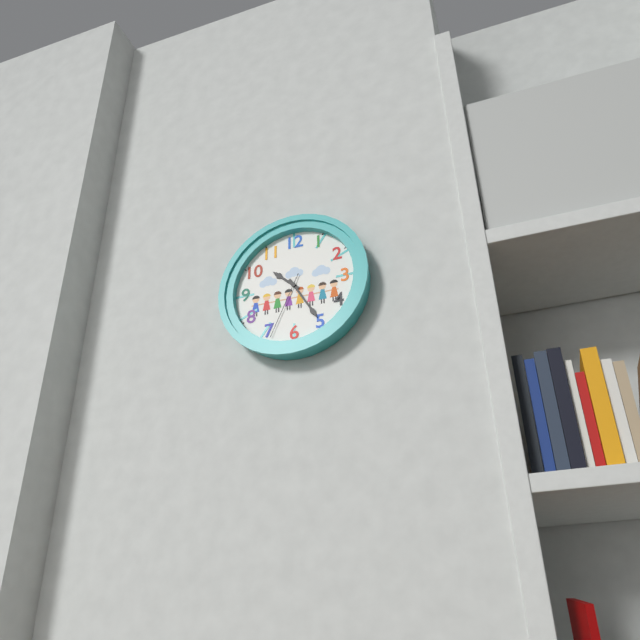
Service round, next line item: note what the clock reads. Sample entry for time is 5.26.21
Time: 10.25.34
